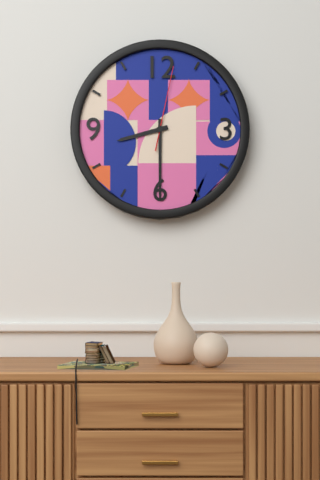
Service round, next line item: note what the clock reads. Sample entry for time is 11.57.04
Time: 8.30.02
